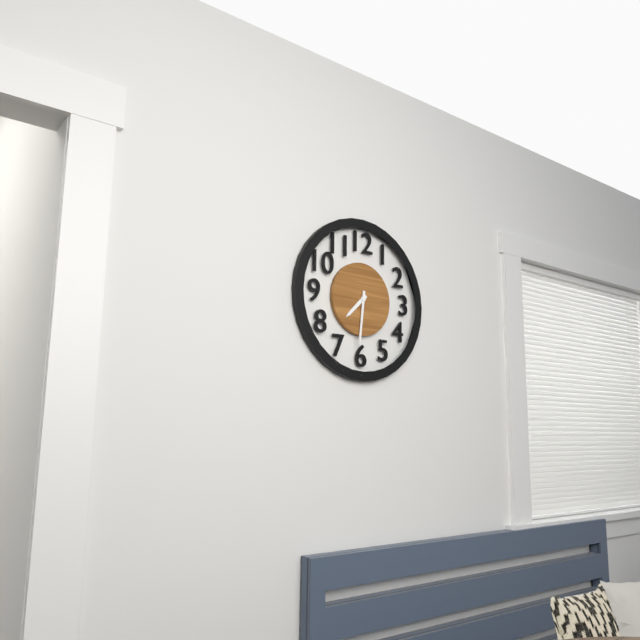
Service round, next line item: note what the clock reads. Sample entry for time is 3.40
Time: 7.31
